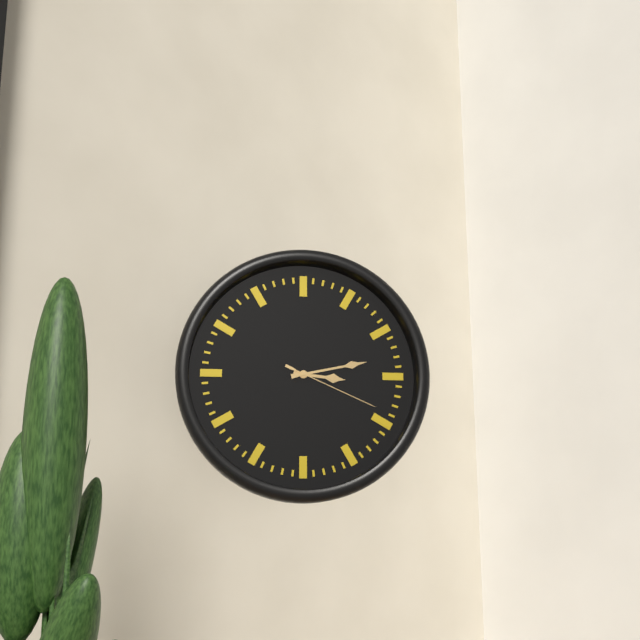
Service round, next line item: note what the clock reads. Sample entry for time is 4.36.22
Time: 3.13.19
